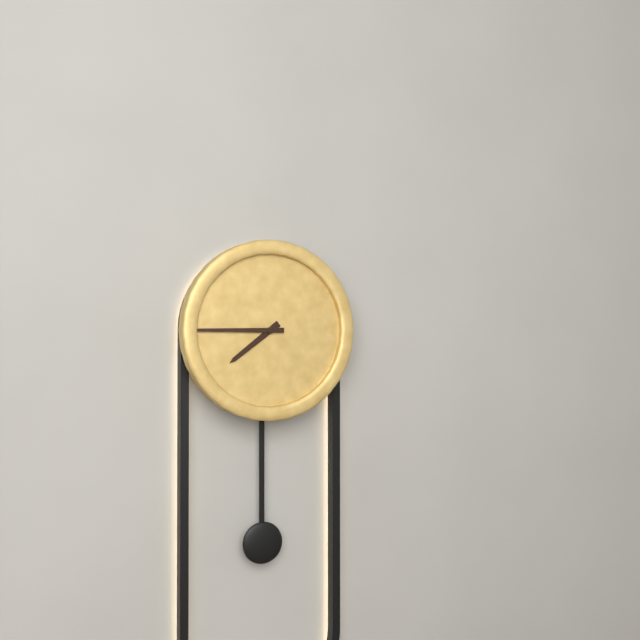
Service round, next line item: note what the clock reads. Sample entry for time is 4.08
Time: 7.45
